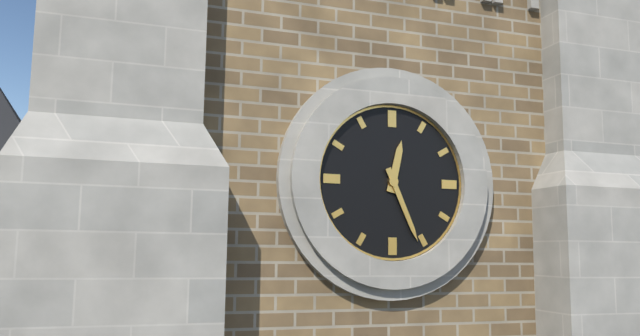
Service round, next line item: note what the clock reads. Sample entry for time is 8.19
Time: 12.26
